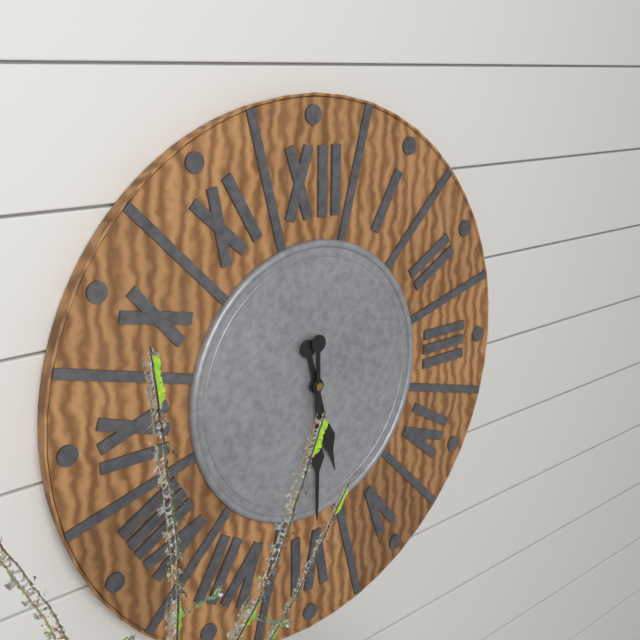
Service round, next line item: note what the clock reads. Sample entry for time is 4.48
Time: 5.30
